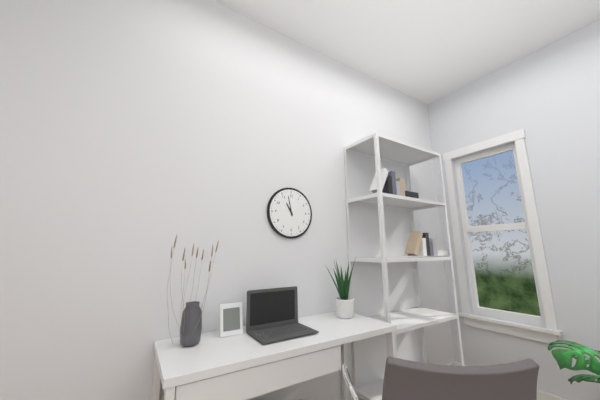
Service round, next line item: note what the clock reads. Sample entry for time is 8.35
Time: 10.58
